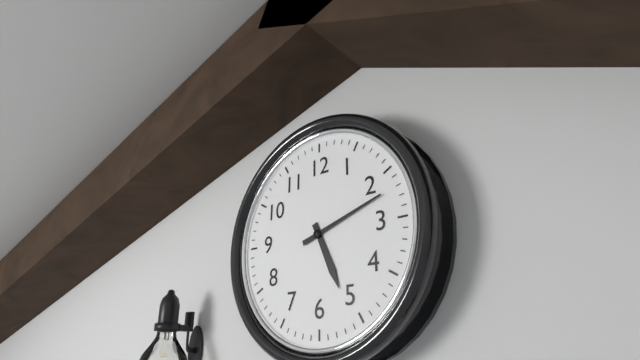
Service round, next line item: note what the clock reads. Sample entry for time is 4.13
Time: 5.12
